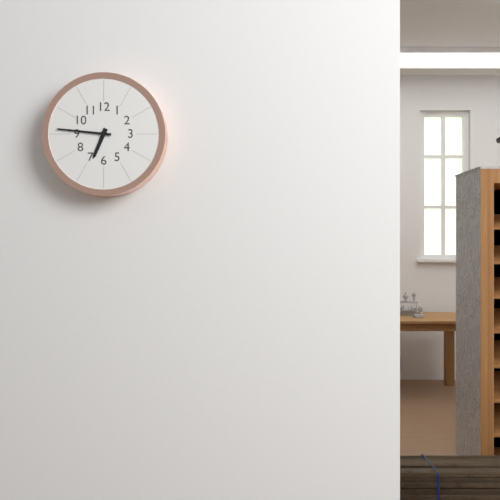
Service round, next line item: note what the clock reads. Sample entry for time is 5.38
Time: 6.46
